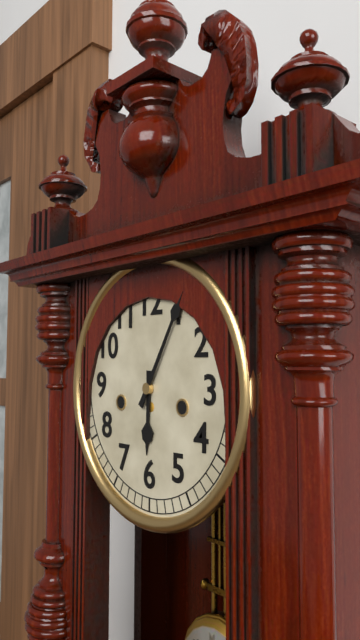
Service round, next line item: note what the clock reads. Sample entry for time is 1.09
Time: 6.05
